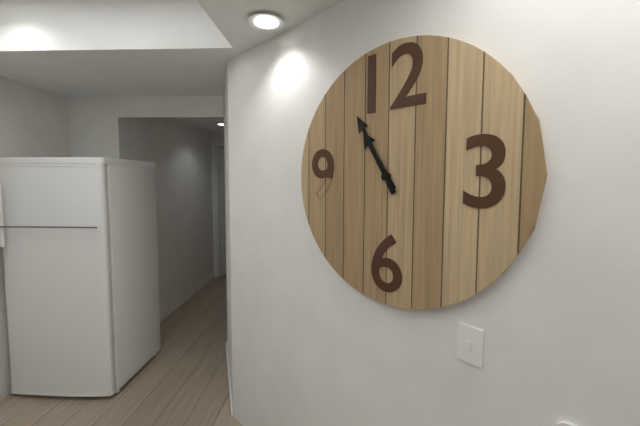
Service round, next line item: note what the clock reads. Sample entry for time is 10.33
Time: 10.55
